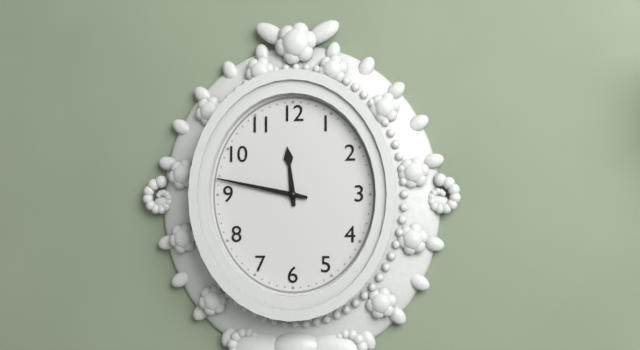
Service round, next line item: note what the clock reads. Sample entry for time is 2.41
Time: 11.47
